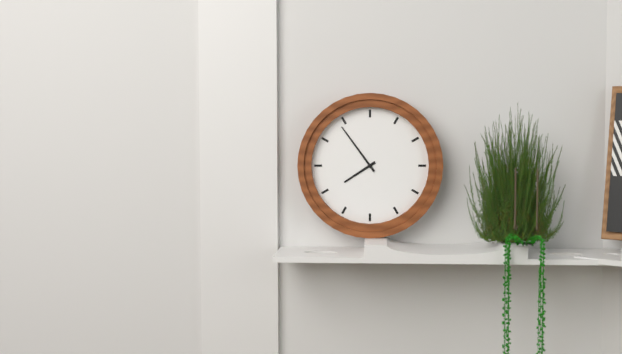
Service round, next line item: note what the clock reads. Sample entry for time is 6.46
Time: 7.54
